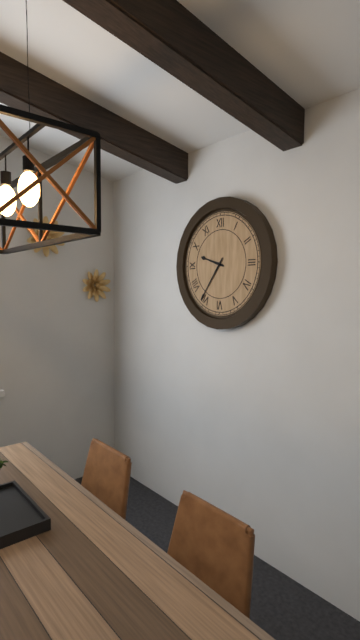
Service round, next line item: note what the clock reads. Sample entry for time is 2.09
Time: 9.36
